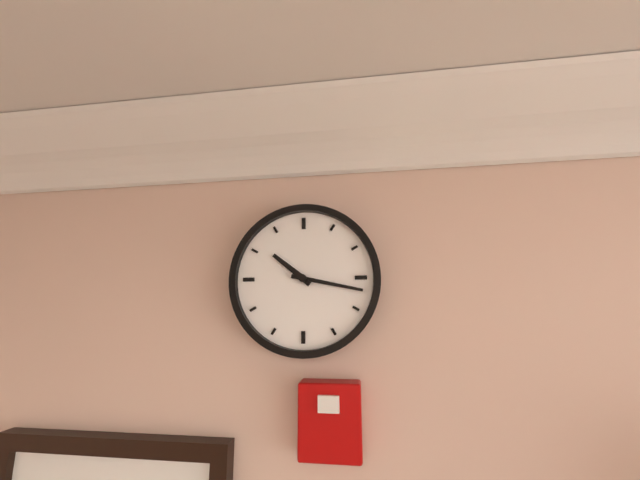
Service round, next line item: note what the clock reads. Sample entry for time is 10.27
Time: 10.17
